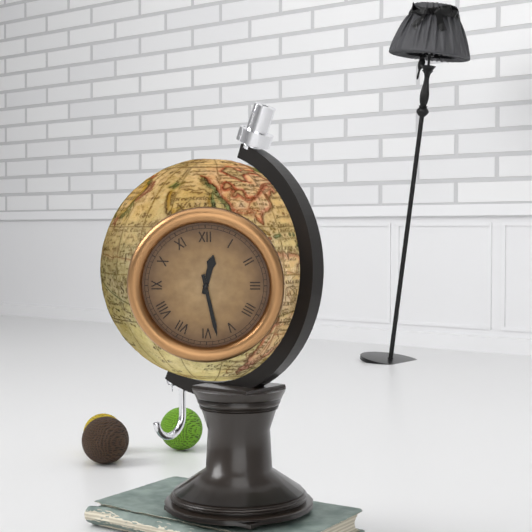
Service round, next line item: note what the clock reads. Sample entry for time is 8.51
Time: 12.28
